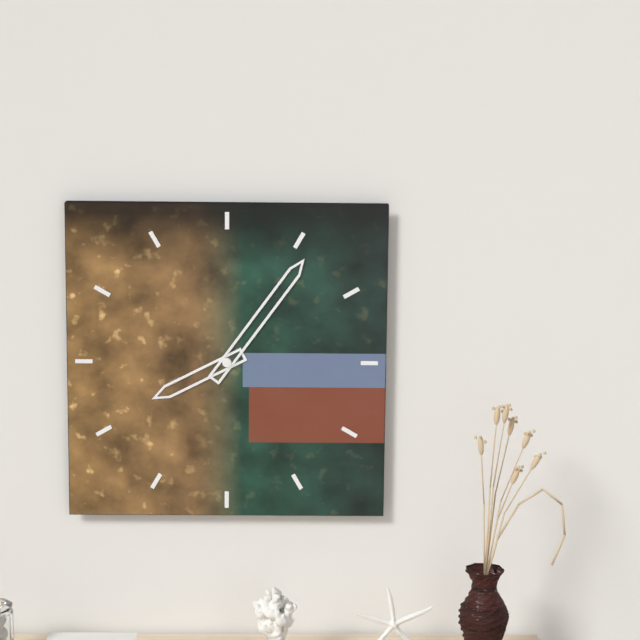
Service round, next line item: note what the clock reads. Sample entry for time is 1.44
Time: 8.06
